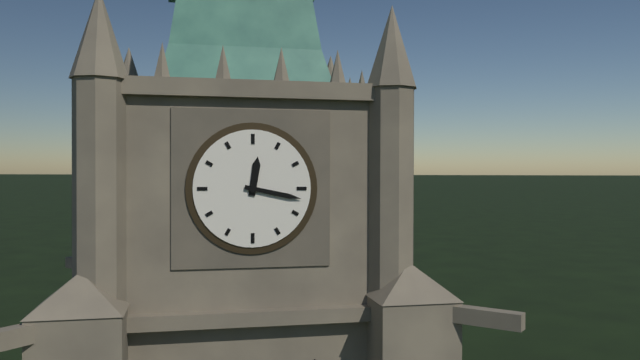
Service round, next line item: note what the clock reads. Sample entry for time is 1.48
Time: 12.17
